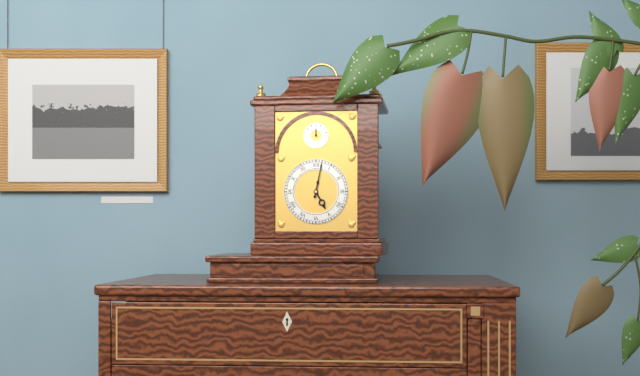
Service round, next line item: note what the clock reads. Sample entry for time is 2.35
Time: 5.02
